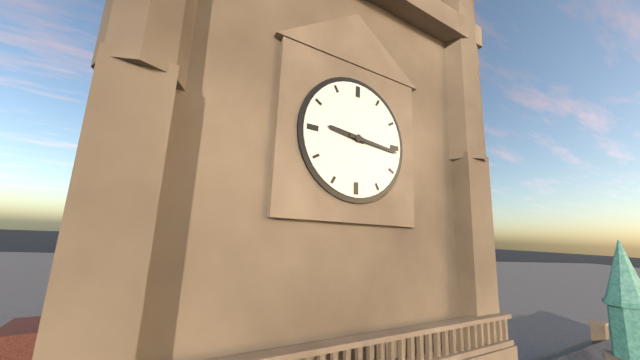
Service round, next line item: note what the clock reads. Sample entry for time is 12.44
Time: 9.16
